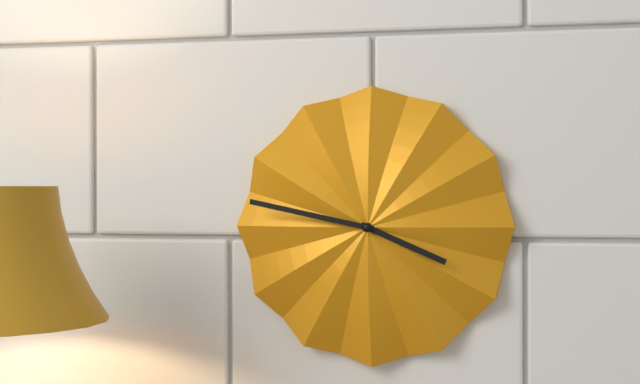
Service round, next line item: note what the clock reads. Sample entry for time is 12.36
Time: 3.47
